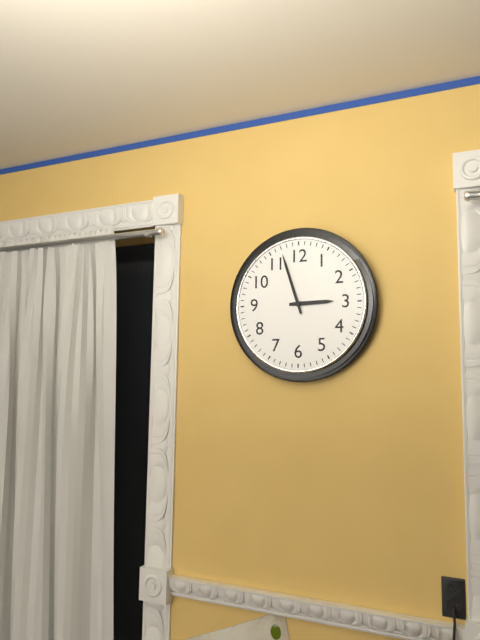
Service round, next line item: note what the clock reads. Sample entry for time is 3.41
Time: 2.57
